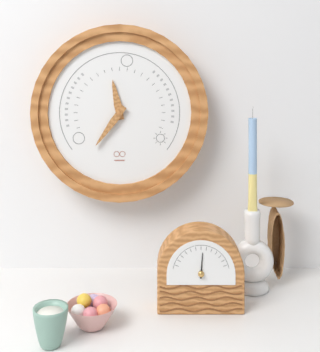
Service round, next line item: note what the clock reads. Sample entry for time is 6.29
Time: 11.36
